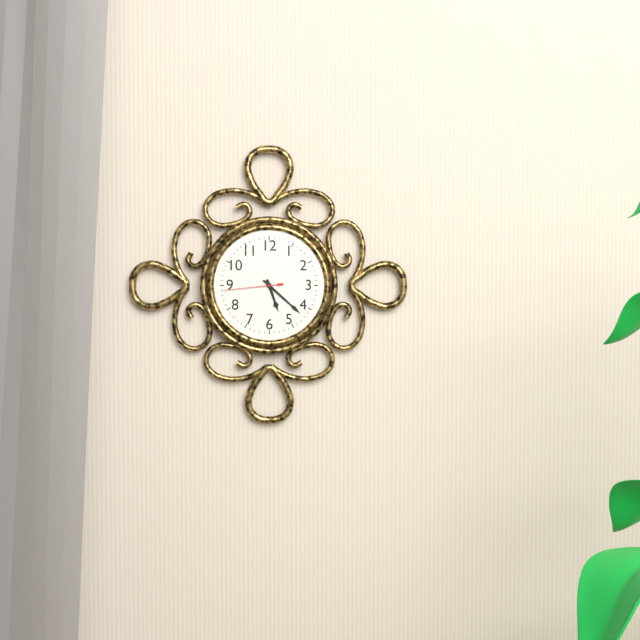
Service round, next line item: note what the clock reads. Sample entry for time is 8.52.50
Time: 5.22.44
